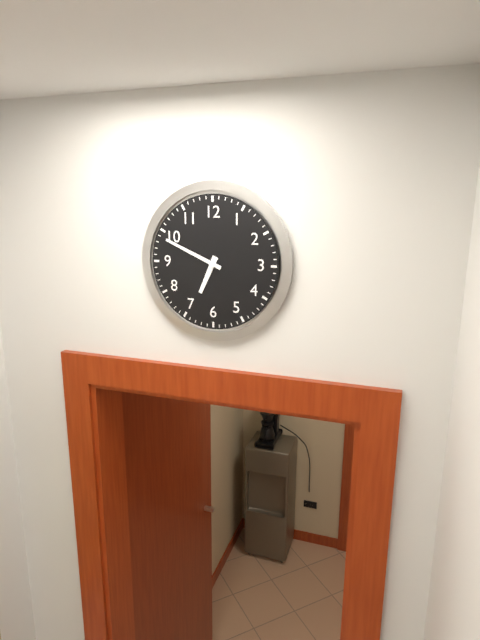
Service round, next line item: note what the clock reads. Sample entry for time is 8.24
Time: 6.49
